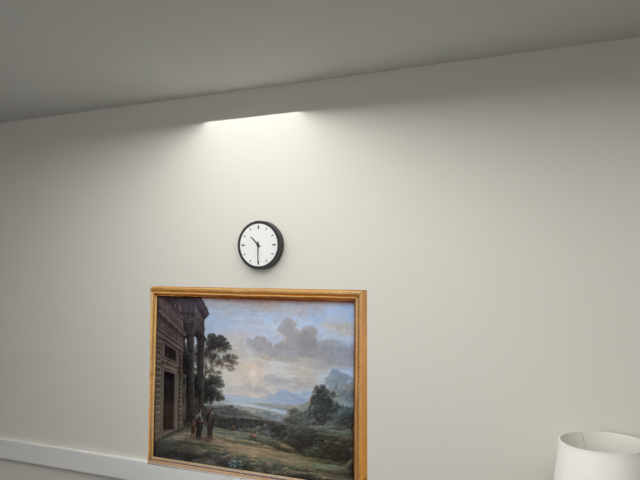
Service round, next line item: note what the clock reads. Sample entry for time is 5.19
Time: 10.30
